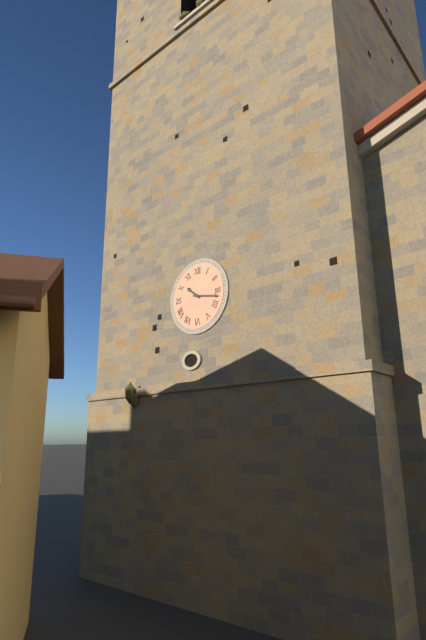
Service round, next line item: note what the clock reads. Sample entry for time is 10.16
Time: 10.17
